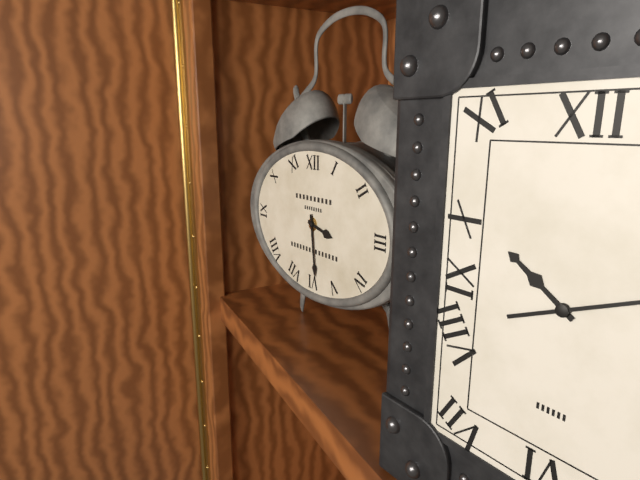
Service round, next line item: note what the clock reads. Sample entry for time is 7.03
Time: 3.29
